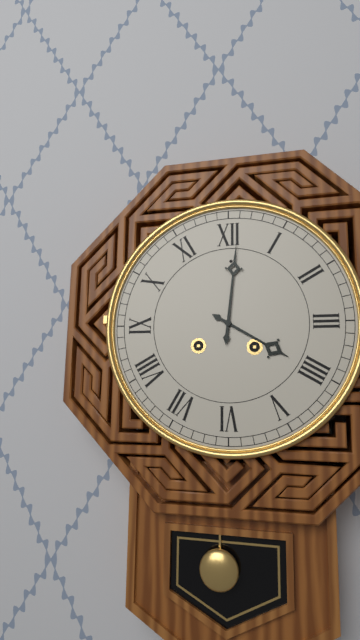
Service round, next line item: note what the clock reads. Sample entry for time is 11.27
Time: 4.01
